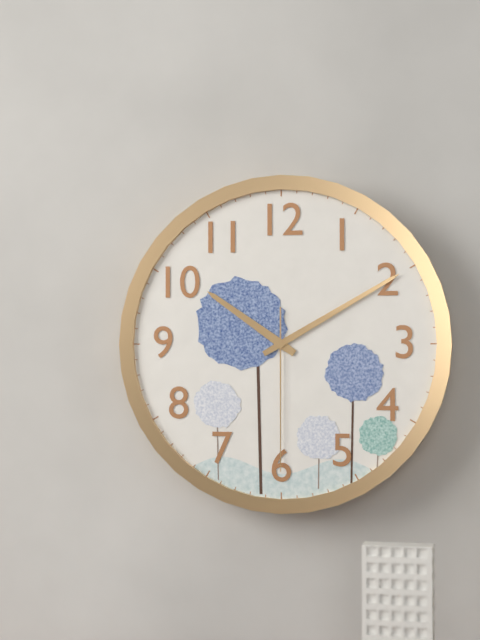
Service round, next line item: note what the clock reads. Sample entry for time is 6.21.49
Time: 10.10.30
